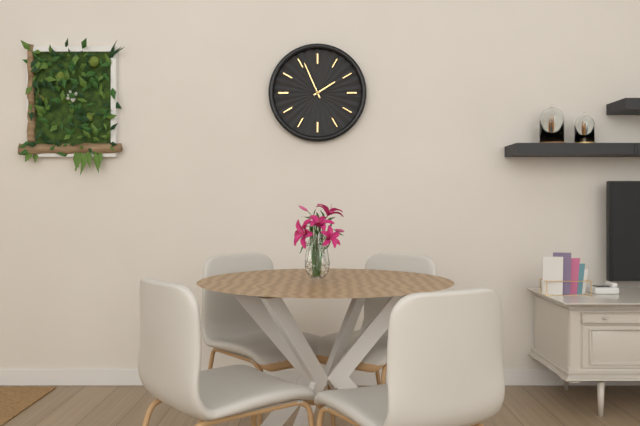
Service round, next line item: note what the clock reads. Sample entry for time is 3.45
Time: 1.56
